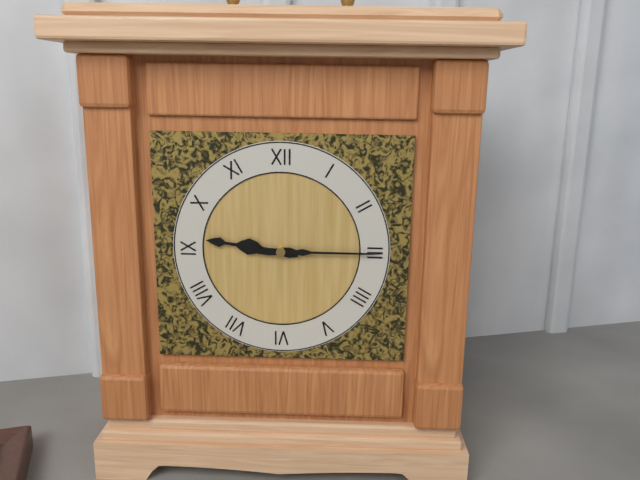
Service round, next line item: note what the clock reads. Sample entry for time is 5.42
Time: 9.15
